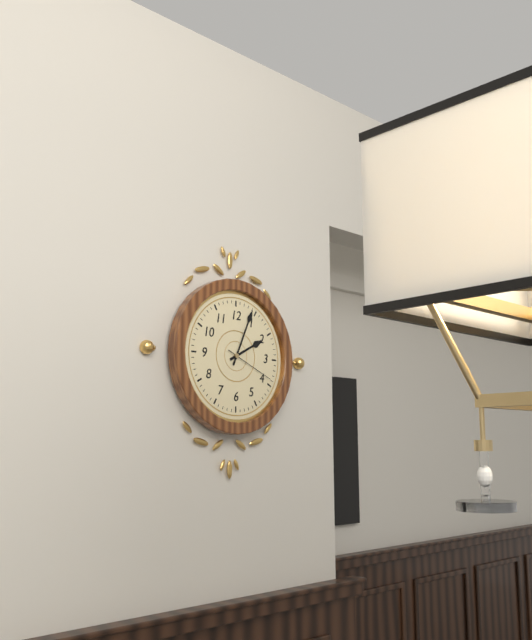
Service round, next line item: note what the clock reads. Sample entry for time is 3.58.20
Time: 2.04.19
